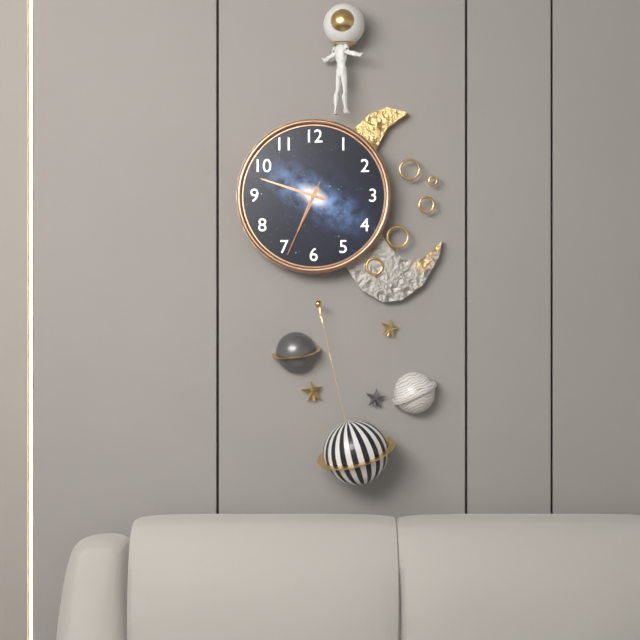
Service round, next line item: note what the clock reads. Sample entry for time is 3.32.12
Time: 6.48.34
